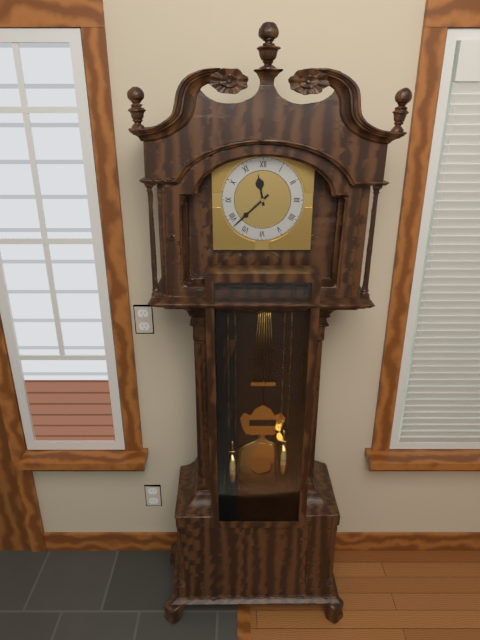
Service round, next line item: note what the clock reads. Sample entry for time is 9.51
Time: 11.38
